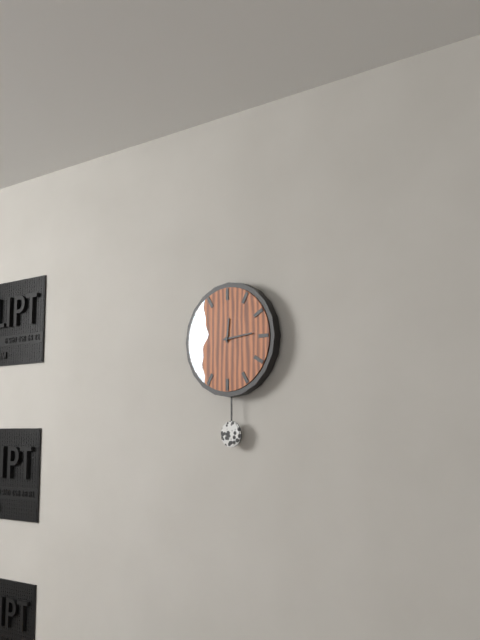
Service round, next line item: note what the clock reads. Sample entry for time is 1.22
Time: 12.14
